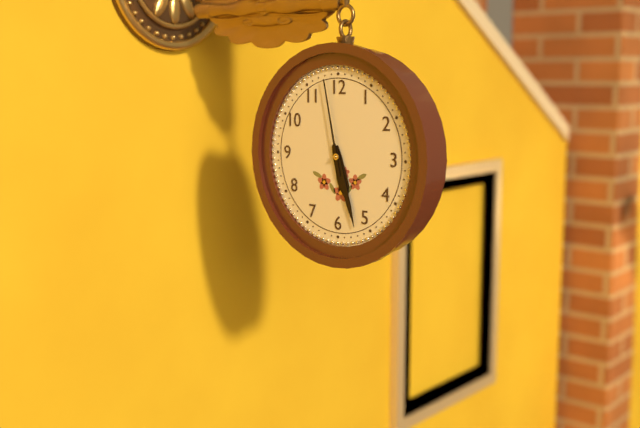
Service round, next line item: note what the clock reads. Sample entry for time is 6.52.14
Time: 5.27.58
